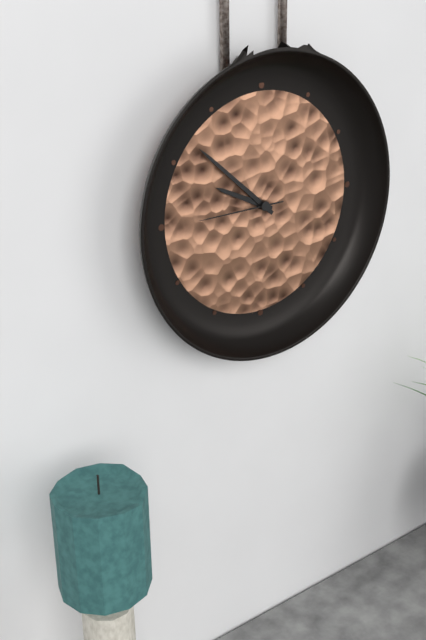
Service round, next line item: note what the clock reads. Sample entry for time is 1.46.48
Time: 9.52.45
